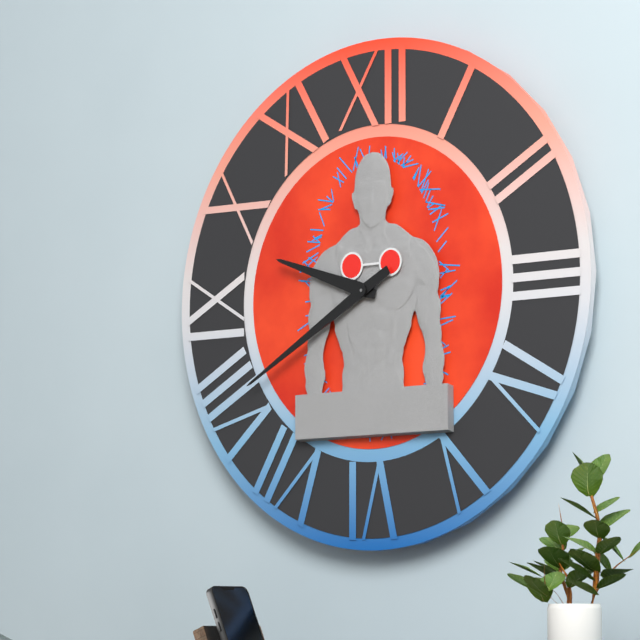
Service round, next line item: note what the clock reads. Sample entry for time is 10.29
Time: 9.40
